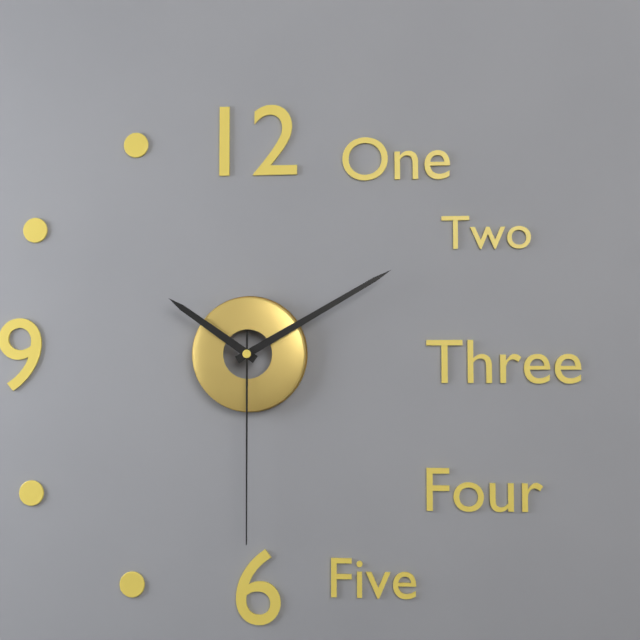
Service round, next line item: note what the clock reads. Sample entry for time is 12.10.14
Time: 10.10.30
